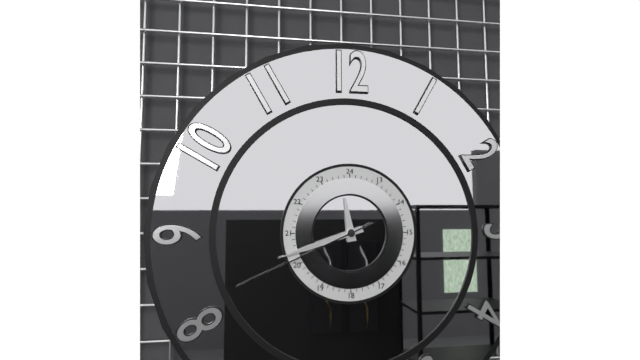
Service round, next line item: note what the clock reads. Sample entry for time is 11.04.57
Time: 11.42.41
